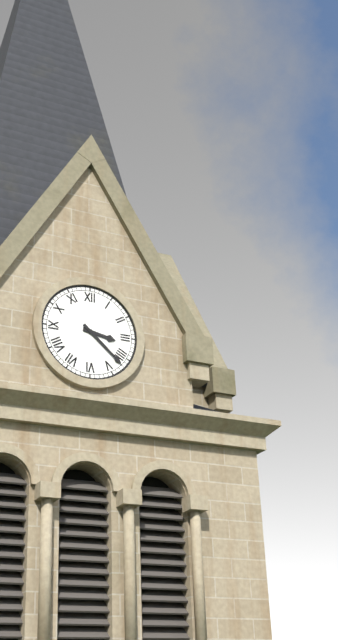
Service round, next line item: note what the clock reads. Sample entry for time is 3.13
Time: 3.22
